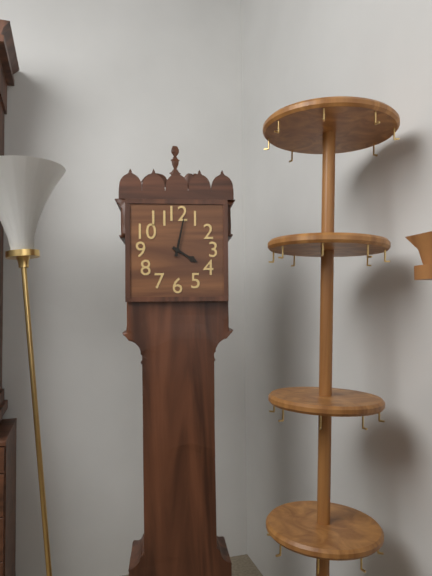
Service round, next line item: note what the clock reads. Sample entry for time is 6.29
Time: 4.02
